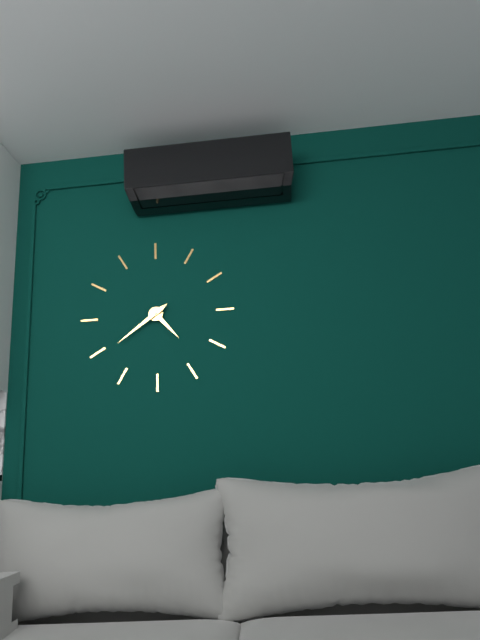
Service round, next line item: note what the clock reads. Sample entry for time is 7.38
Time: 4.39
